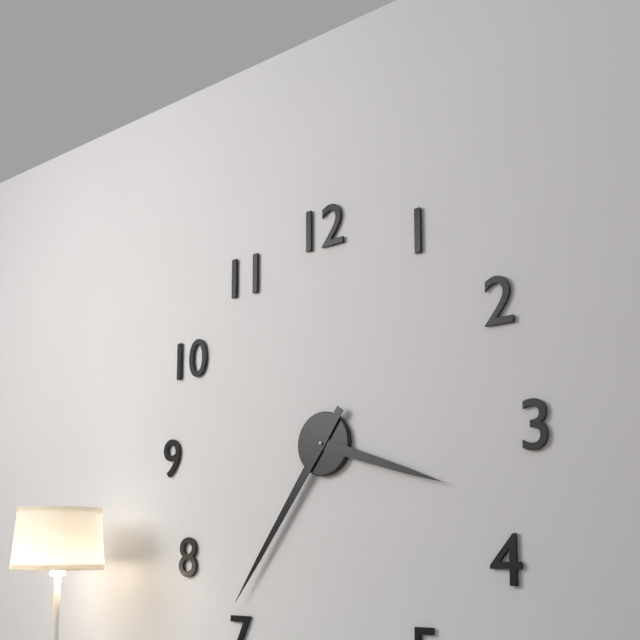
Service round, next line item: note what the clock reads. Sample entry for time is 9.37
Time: 3.36
